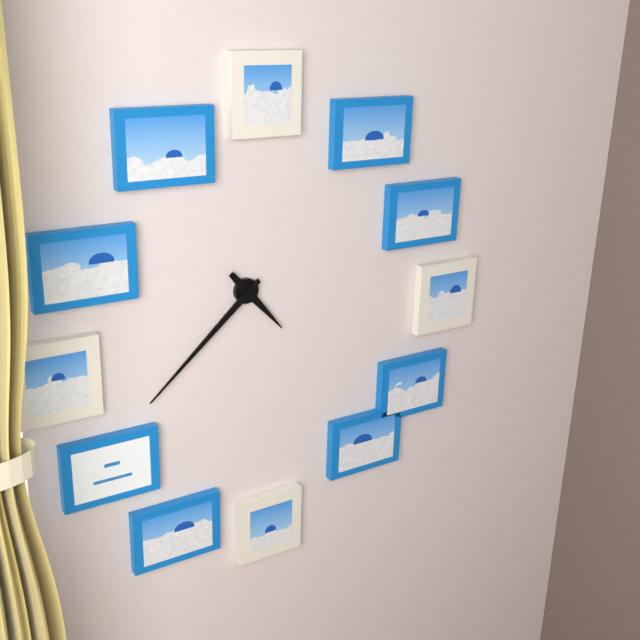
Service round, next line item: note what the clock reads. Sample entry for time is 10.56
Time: 4.38
